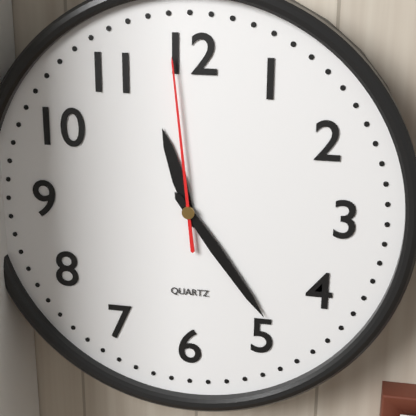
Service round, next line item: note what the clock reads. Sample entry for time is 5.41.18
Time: 11.24.59
